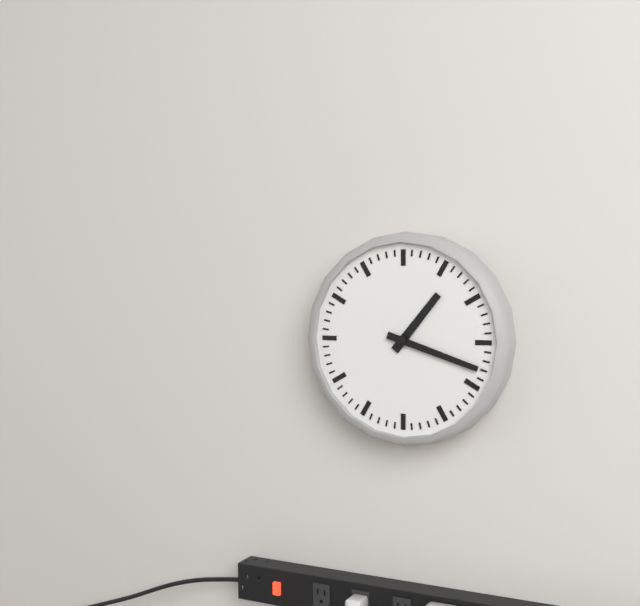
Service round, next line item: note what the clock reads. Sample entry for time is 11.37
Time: 1.18
